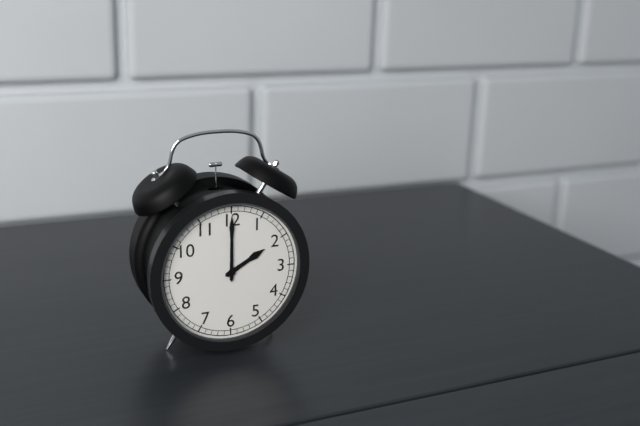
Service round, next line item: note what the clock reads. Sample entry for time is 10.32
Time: 2.00
